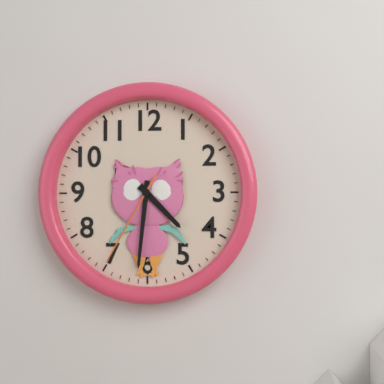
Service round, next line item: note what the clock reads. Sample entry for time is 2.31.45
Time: 4.31.35
